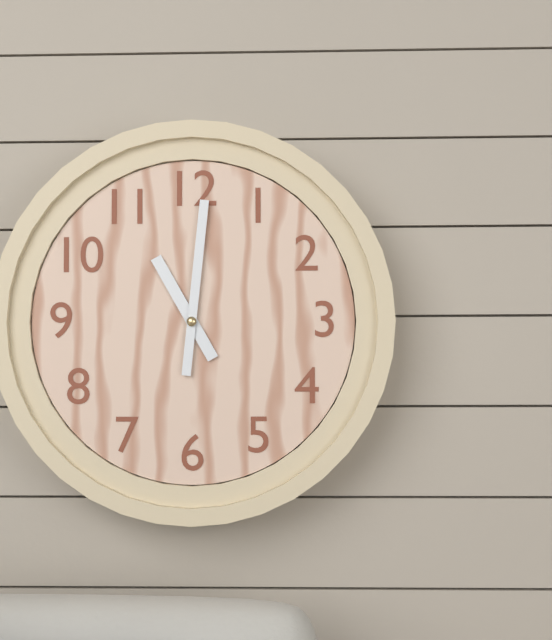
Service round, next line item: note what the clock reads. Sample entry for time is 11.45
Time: 11.01
